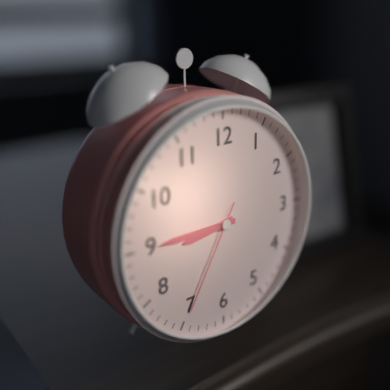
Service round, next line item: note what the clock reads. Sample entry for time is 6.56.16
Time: 8.45.35
